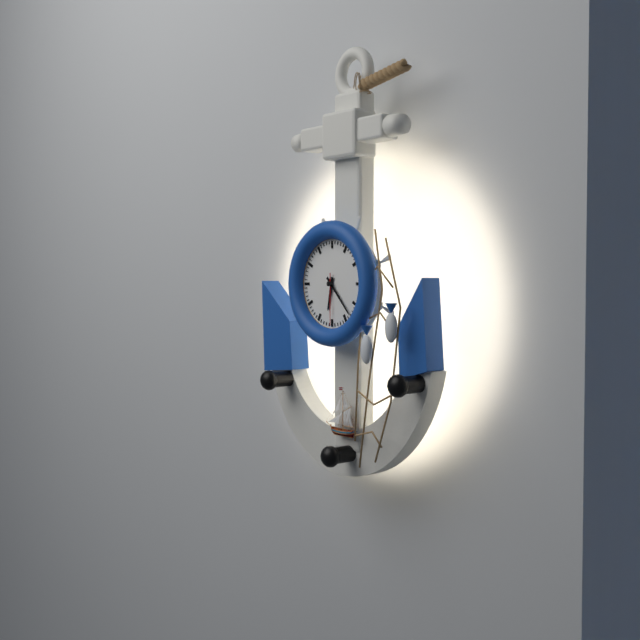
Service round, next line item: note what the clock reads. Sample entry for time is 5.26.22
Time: 6.23.30
